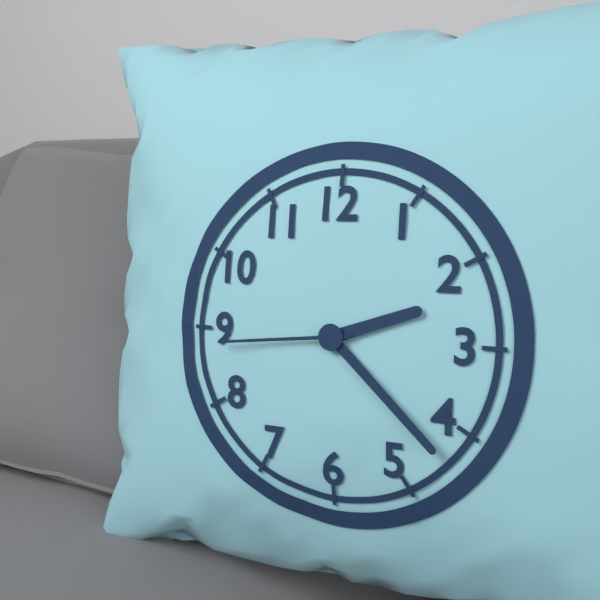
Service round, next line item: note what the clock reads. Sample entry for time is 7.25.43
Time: 2.22.44
